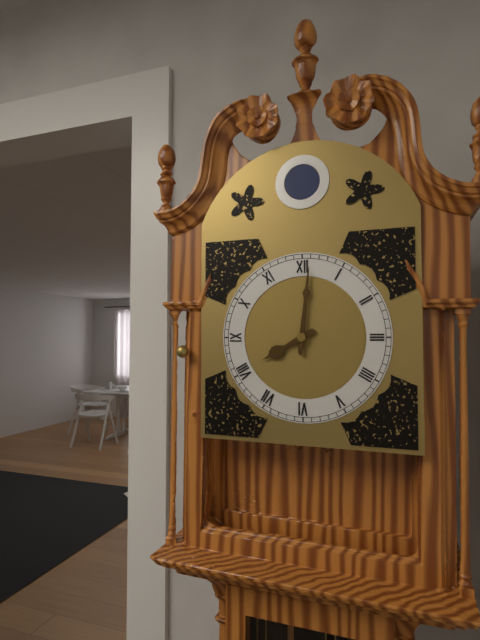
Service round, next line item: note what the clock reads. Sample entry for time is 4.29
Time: 8.01
